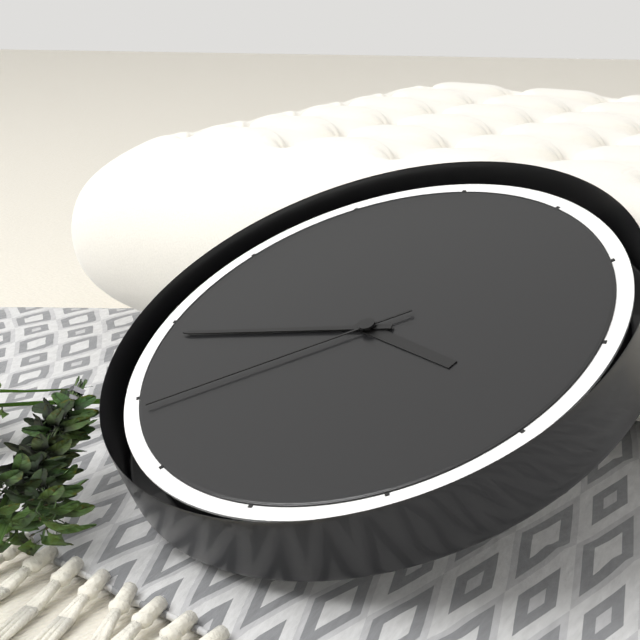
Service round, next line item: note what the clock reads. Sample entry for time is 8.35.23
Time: 3.44.39
